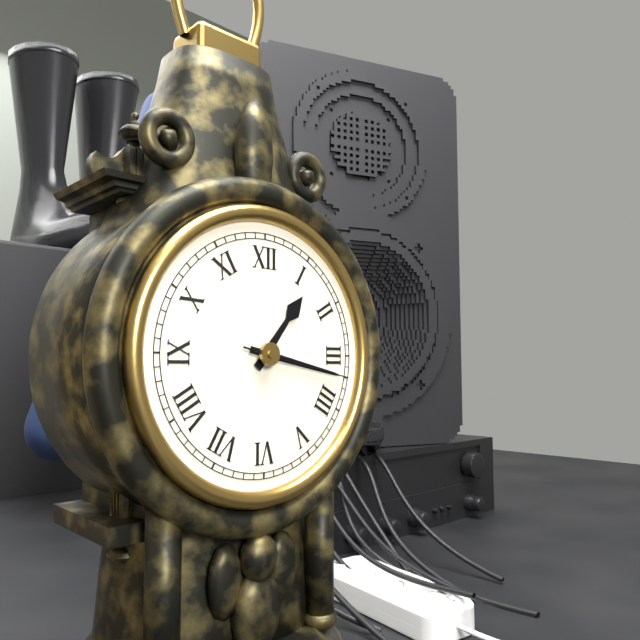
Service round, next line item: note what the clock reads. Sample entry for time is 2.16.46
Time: 1.17.17
